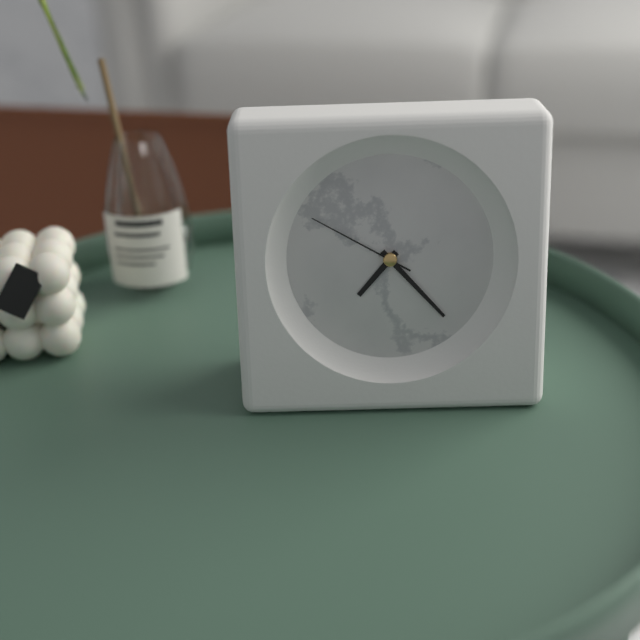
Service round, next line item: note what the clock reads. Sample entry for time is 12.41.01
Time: 7.23.50
